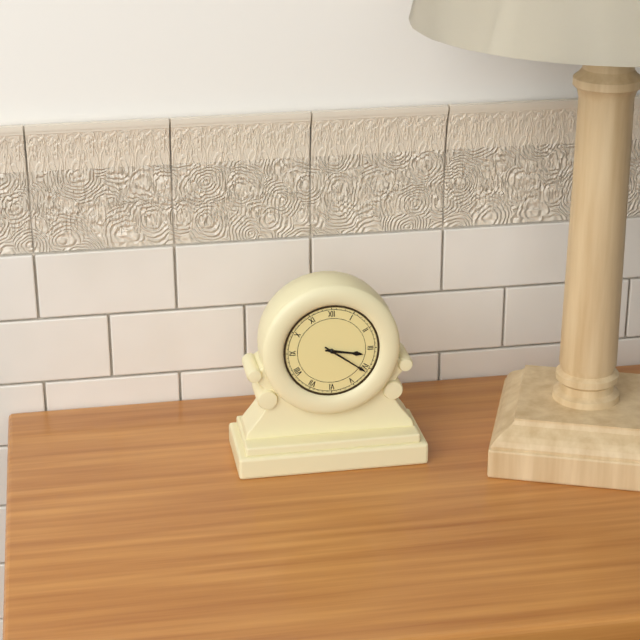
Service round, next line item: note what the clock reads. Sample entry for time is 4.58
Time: 3.21
